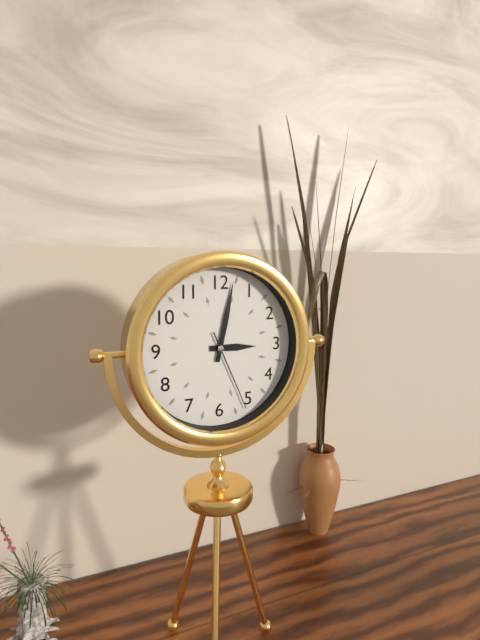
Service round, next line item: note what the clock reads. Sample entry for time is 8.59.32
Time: 3.02.26
